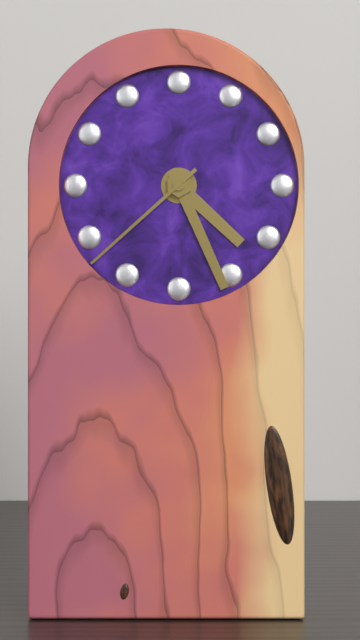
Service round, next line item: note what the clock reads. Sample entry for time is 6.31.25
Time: 4.26.38
